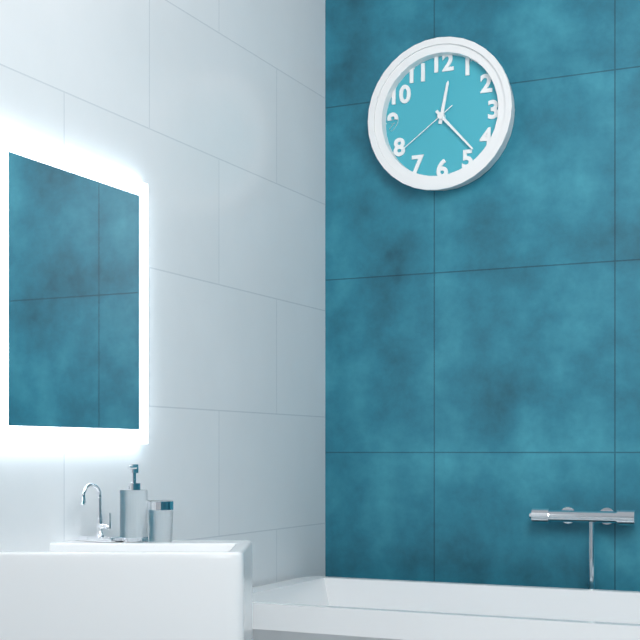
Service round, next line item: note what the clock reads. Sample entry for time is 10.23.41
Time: 12.23.39
